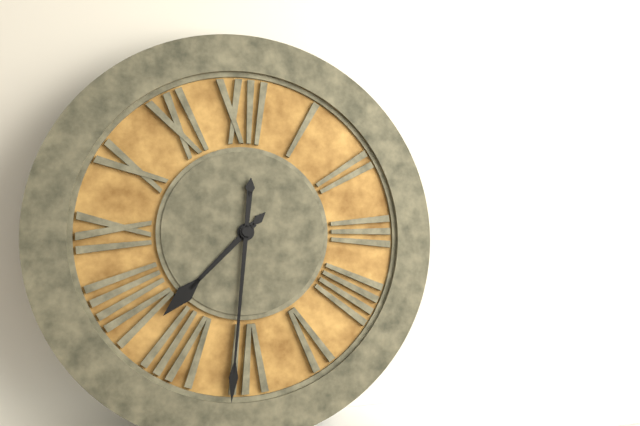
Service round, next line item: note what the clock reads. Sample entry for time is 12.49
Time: 7.31
